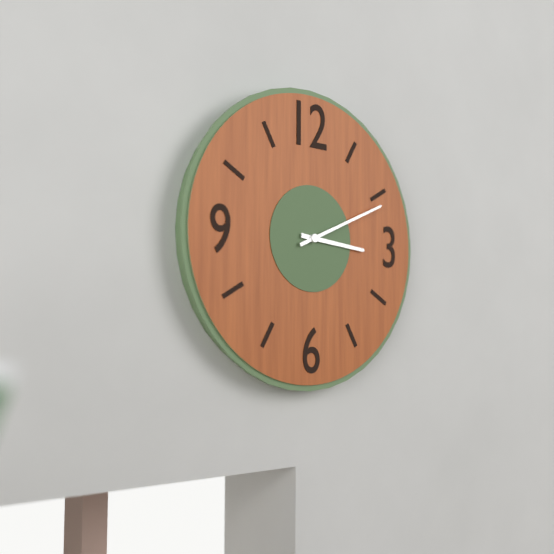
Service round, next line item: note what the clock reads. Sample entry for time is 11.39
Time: 3.11
